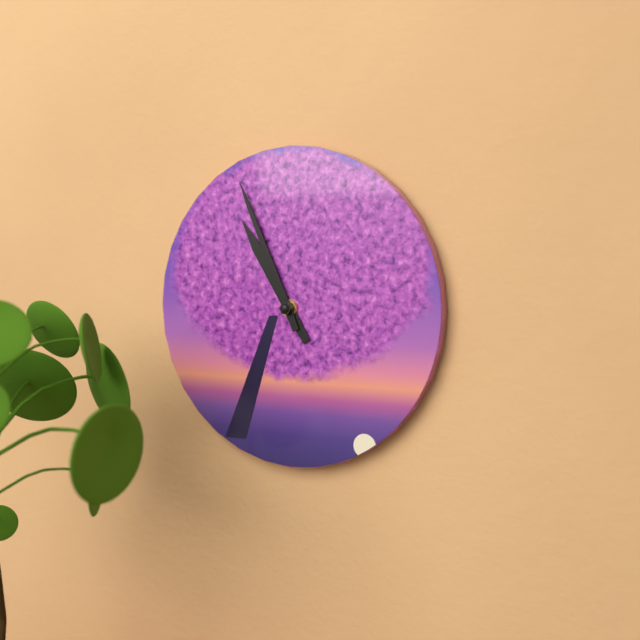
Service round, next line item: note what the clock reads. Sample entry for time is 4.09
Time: 10.56
